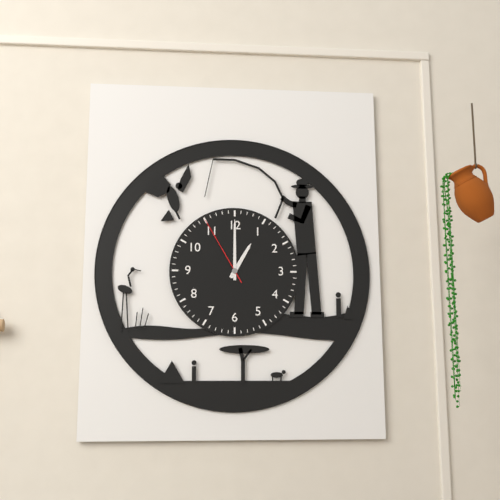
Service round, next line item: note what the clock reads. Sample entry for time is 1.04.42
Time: 1.00.55
